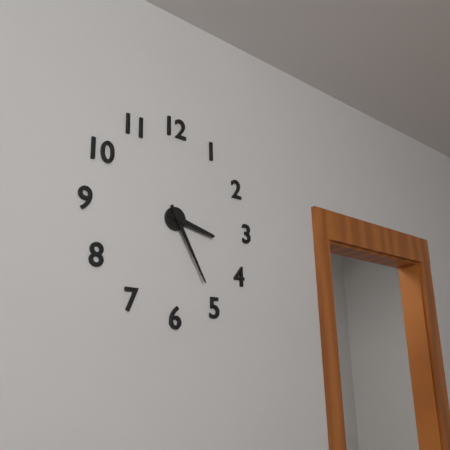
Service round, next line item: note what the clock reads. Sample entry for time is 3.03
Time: 3.25
